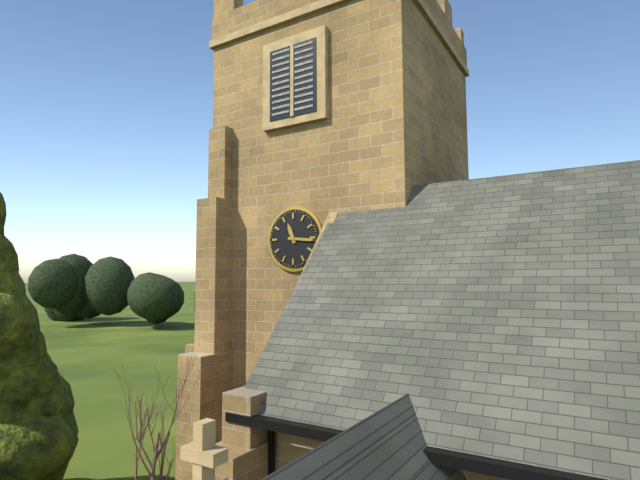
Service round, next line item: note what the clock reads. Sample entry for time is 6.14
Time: 11.16
